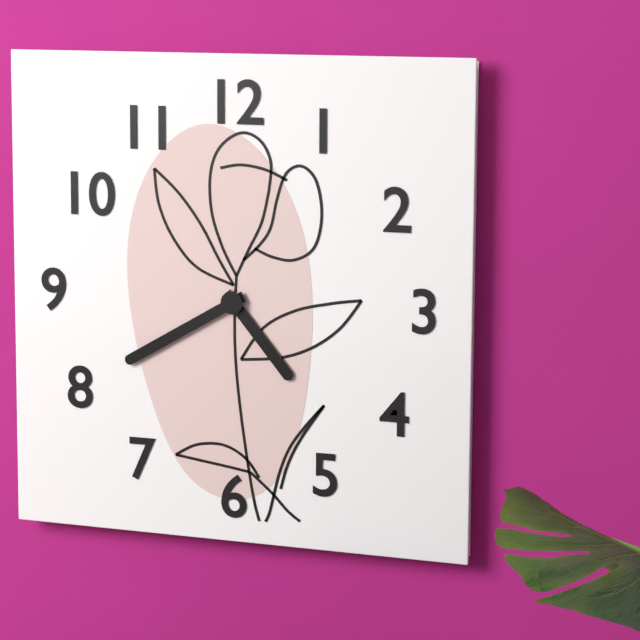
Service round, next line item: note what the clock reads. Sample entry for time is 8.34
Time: 4.40
